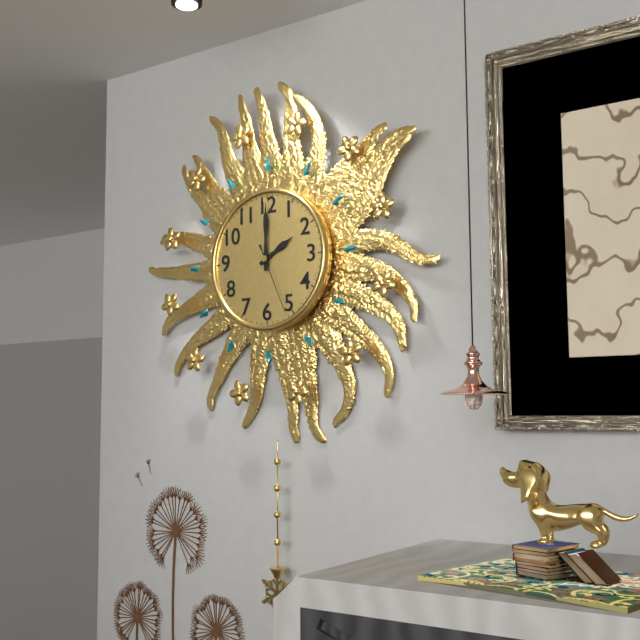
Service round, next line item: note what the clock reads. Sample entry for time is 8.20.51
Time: 2.00.26
